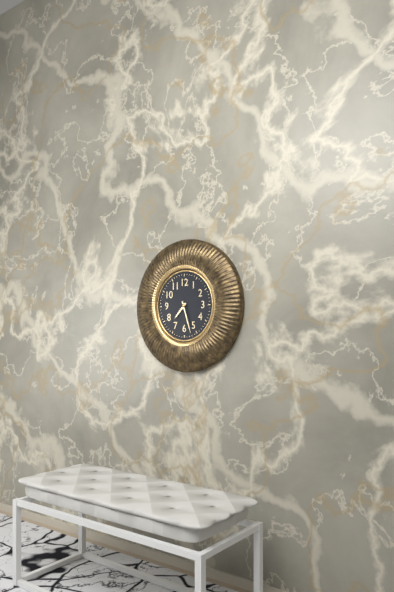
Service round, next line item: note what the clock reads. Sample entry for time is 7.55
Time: 7.27
